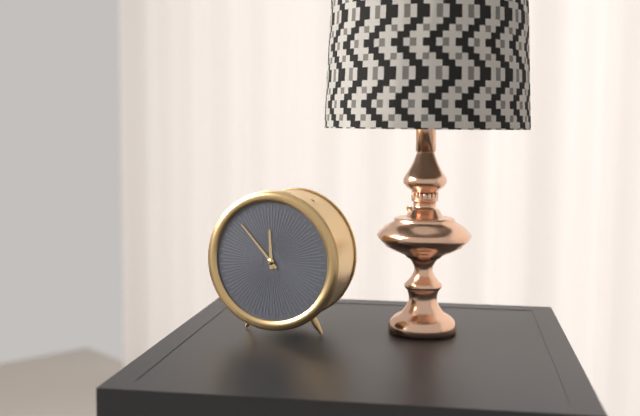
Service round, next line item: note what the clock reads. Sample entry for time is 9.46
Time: 11.53
